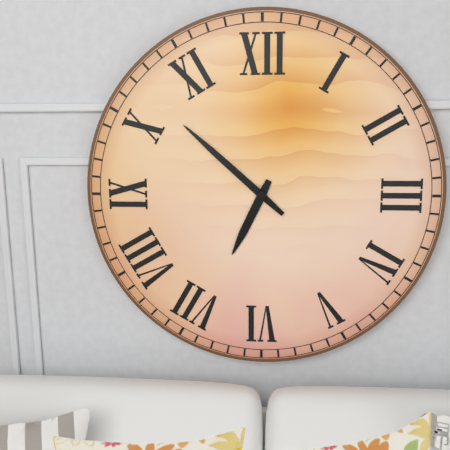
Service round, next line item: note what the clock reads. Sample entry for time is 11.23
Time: 6.52
